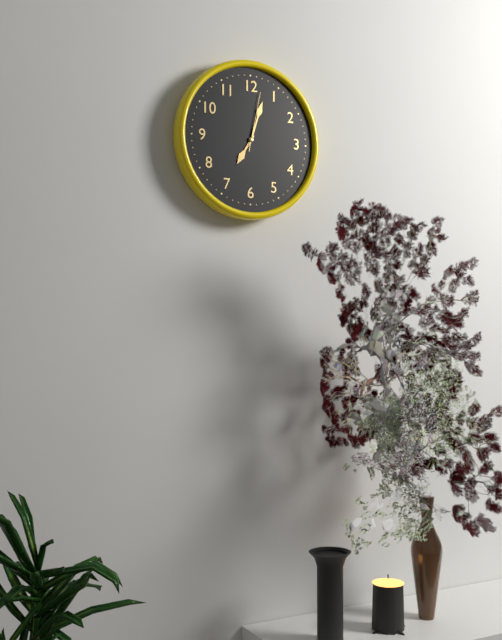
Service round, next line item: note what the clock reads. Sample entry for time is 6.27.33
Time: 7.03.02
